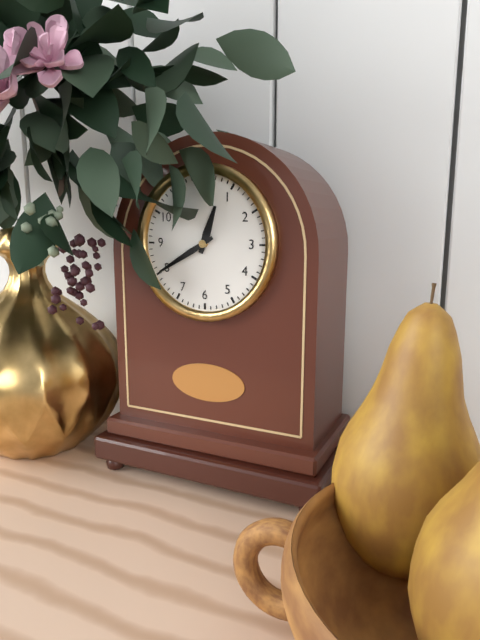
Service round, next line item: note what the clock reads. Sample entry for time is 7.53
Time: 12.40
